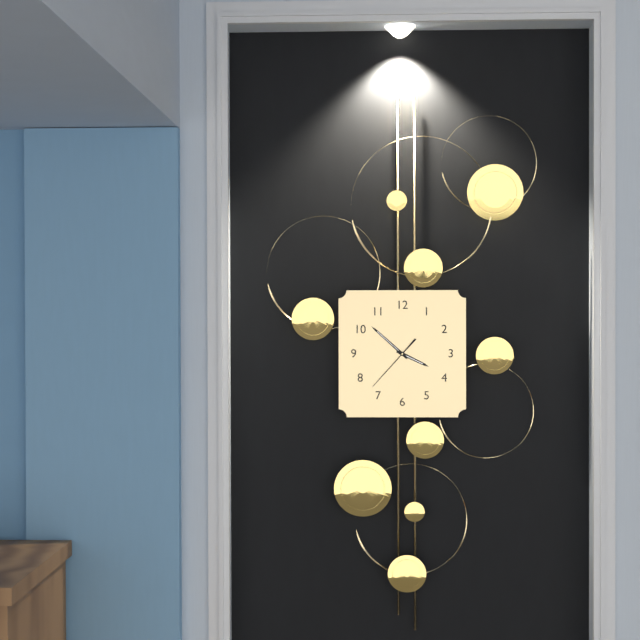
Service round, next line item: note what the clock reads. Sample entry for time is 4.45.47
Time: 3.52.37
